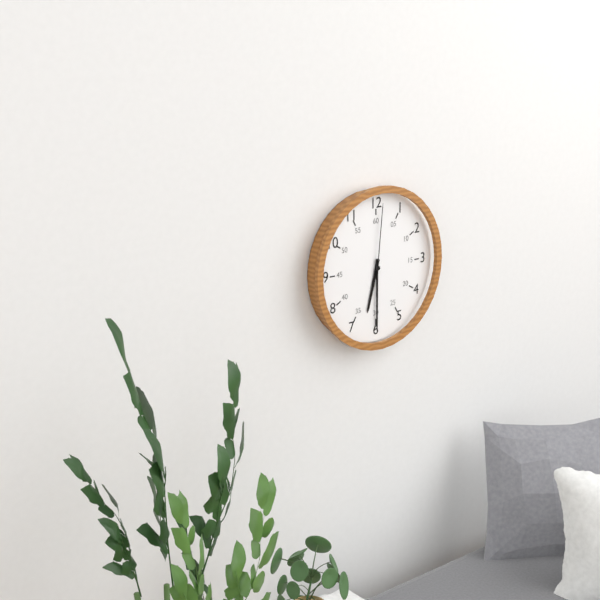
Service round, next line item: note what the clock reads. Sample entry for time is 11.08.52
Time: 6.30.01
